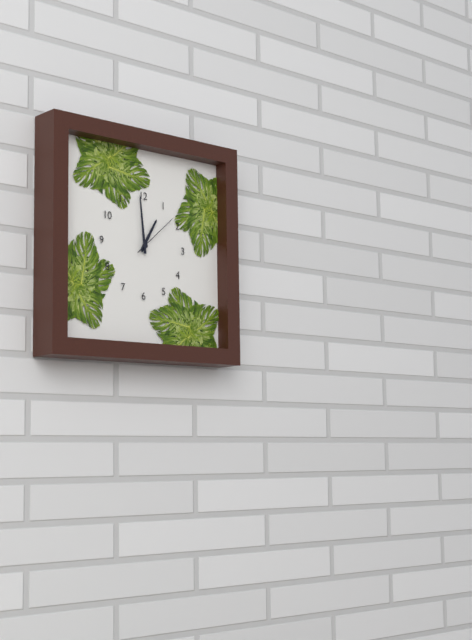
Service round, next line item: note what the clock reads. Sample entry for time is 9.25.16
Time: 12.59.08
